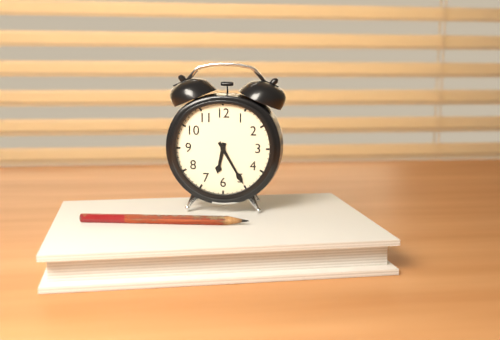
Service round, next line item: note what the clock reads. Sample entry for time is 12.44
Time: 6.25
